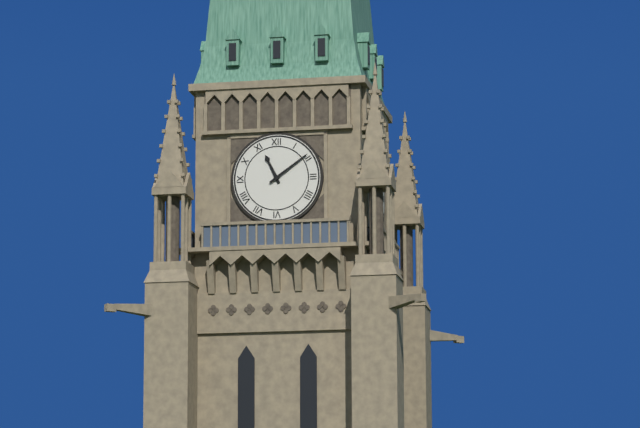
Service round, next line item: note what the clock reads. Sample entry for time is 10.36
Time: 11.09
